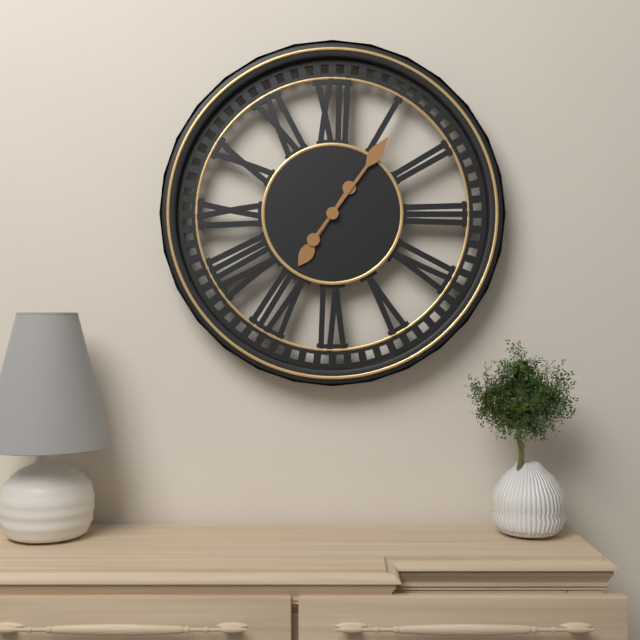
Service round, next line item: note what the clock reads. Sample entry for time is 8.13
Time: 7.06
